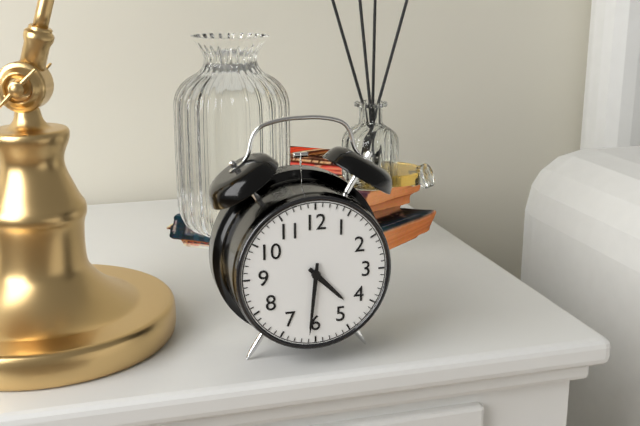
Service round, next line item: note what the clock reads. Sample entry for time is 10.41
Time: 4.31
